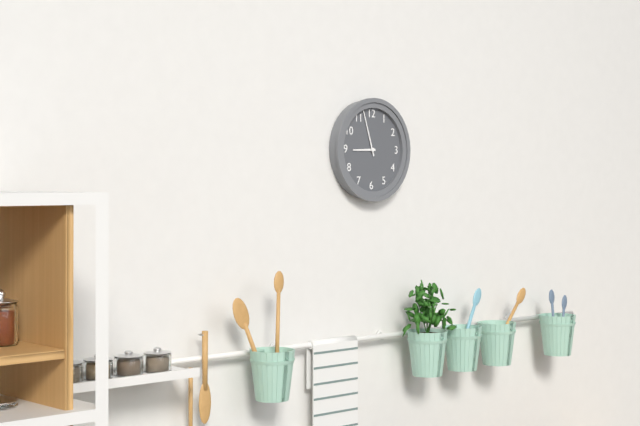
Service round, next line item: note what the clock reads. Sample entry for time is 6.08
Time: 8.57
